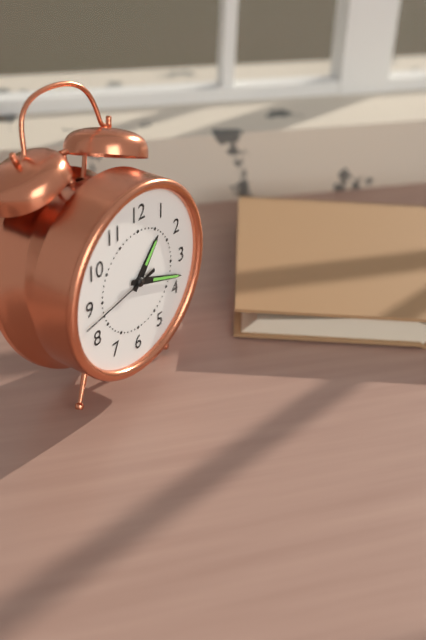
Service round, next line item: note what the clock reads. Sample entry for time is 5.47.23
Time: 1.18.43
